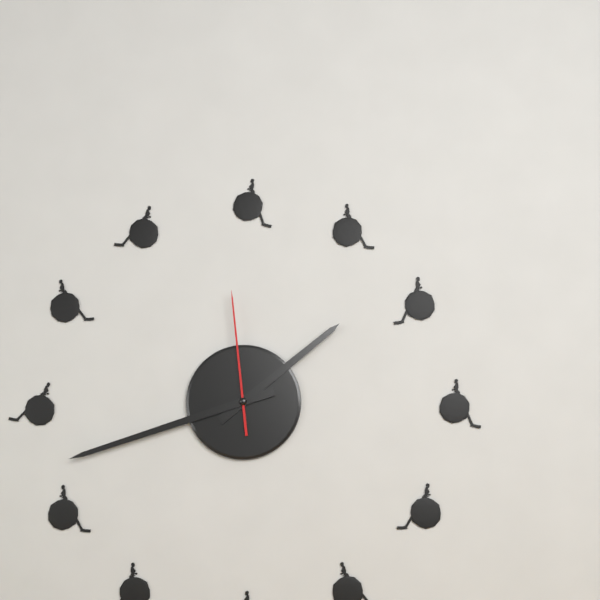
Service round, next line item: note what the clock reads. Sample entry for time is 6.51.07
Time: 1.42.59
